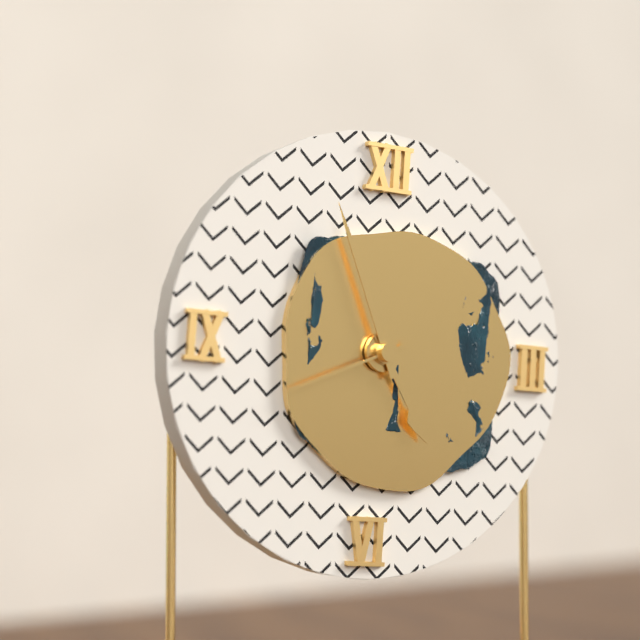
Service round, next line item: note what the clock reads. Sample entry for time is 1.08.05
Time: 4.56.41
